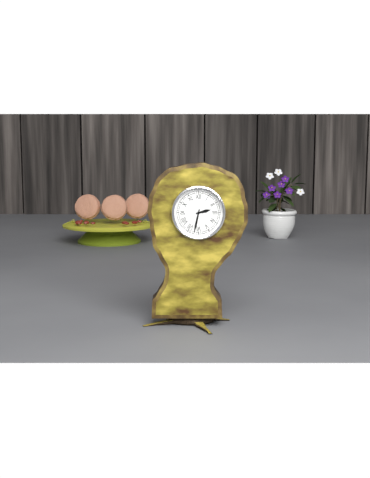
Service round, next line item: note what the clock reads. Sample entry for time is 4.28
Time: 2.32
